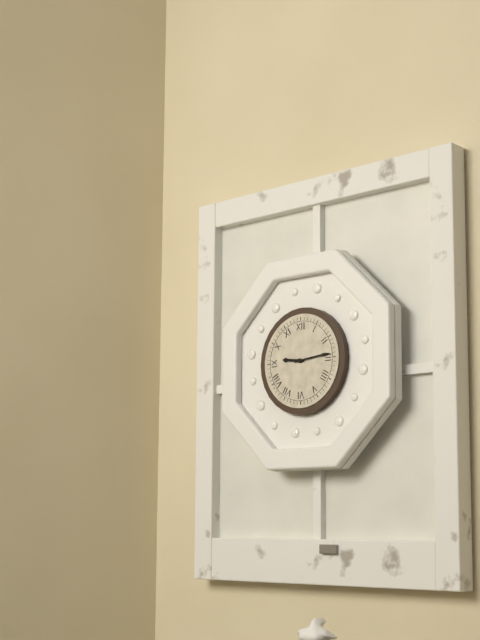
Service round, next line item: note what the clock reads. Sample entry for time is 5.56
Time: 9.14
